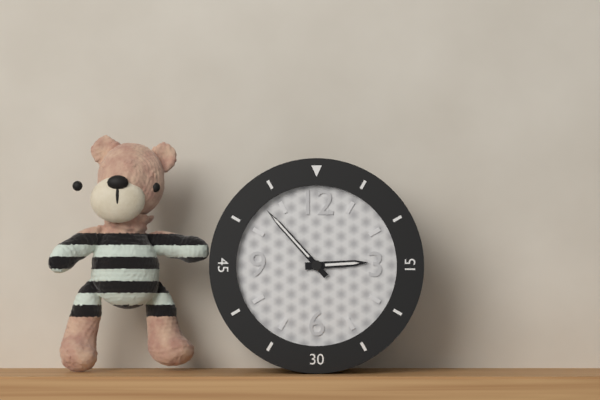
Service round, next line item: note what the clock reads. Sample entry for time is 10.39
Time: 2.53
